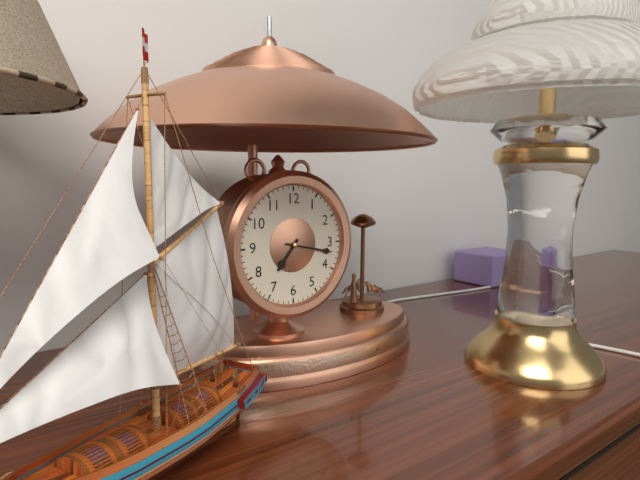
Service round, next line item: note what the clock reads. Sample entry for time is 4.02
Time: 7.17
